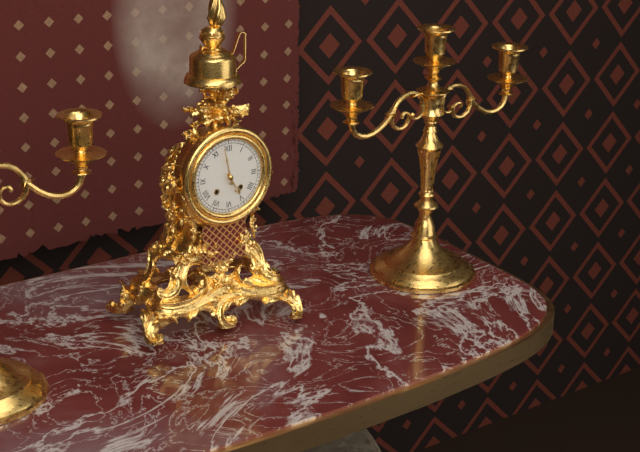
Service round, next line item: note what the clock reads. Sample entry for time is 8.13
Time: 4.58
